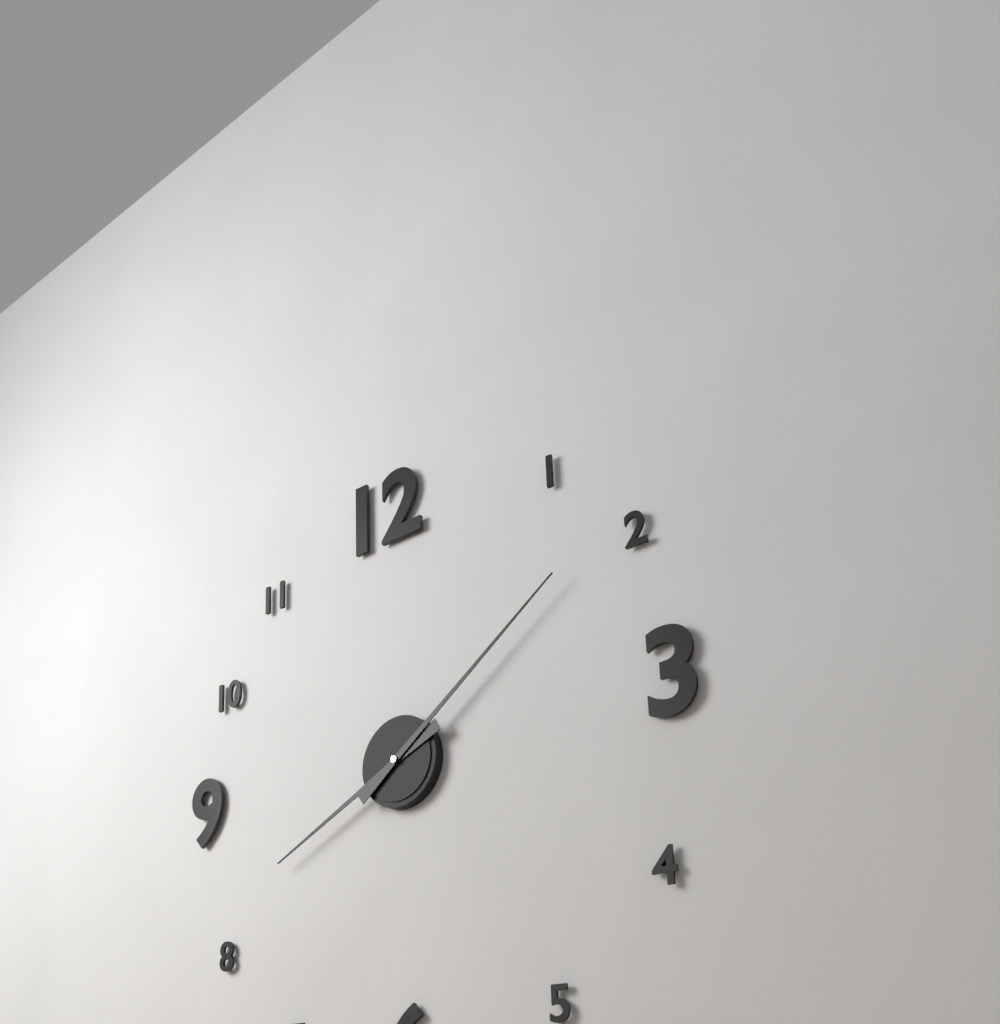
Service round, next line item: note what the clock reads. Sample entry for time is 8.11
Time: 8.09
